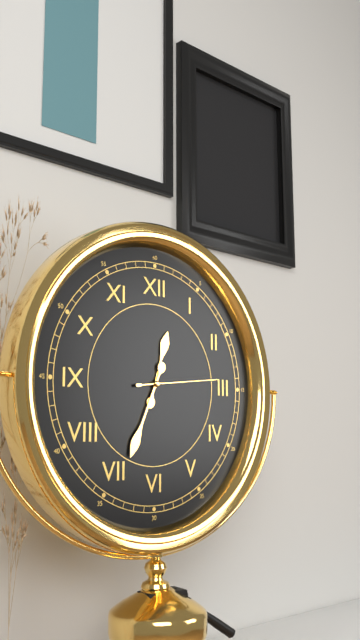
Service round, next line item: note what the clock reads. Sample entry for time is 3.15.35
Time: 12.34.14
